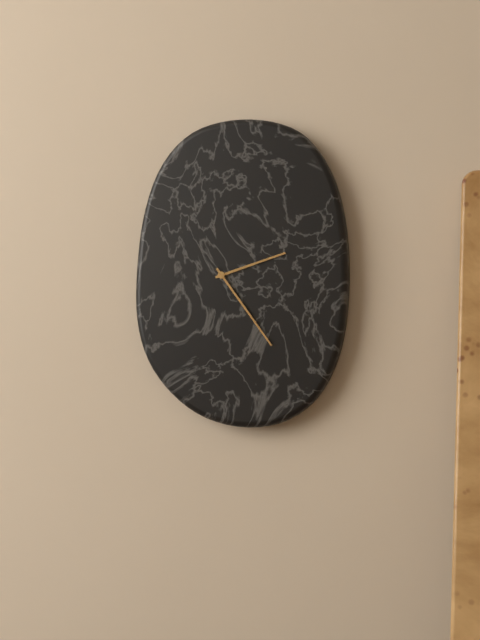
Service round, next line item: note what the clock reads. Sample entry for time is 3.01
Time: 2.24
